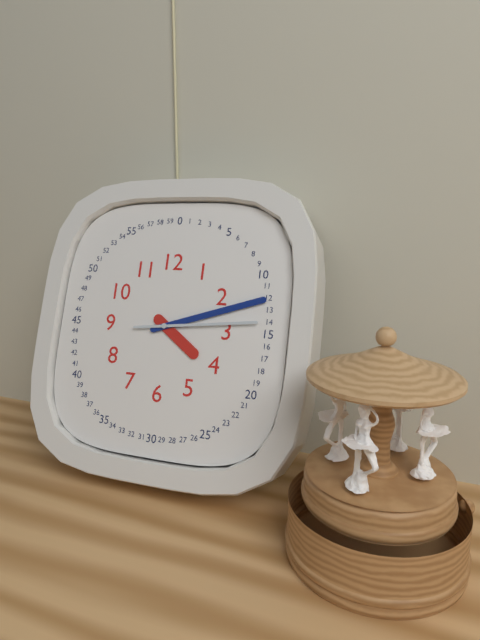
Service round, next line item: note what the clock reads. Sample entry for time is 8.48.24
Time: 4.12.14
